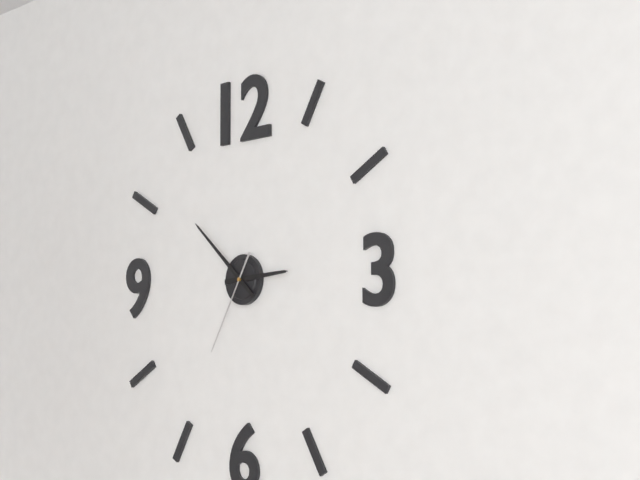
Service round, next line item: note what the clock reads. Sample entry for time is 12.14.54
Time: 2.52.35
